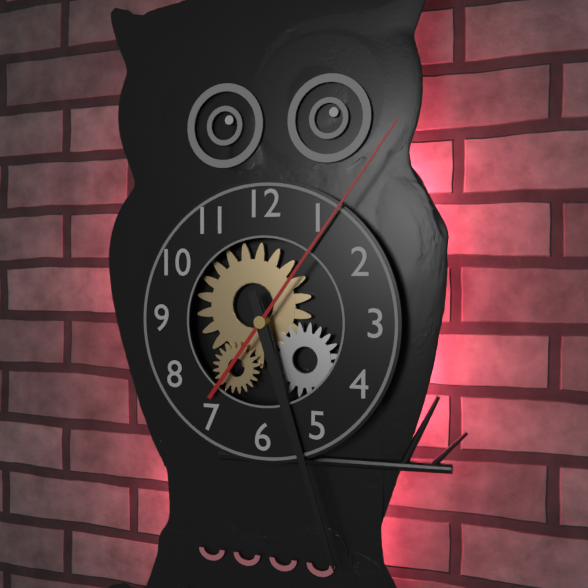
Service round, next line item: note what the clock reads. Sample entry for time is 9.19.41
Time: 5.27.06
